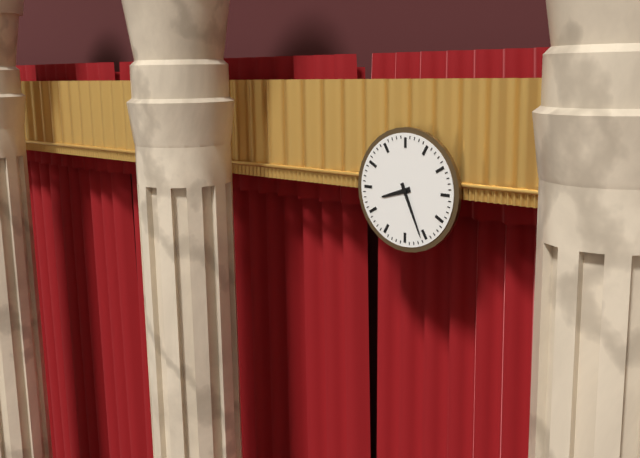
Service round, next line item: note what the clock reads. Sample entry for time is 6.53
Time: 8.26
